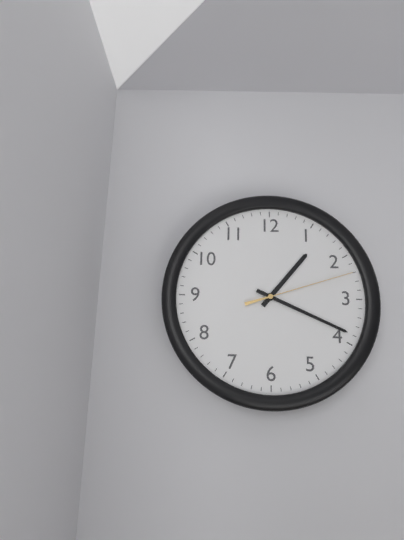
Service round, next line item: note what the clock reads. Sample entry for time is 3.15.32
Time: 1.19.12
